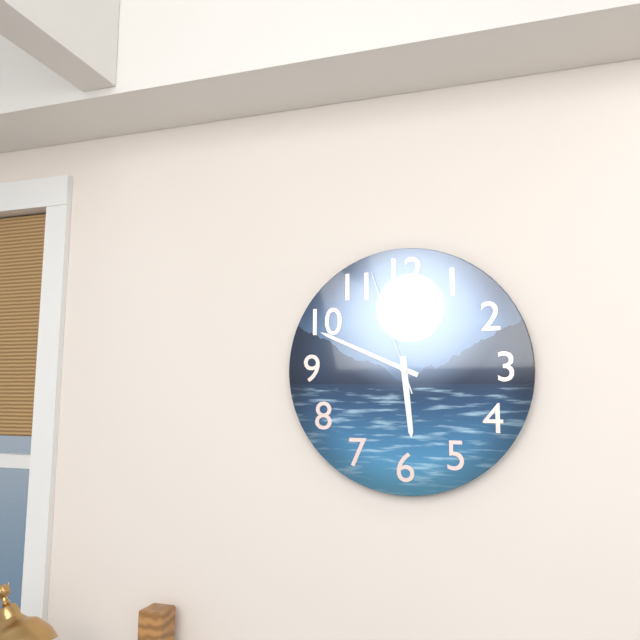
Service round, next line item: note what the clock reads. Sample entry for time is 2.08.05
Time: 5.49.57
